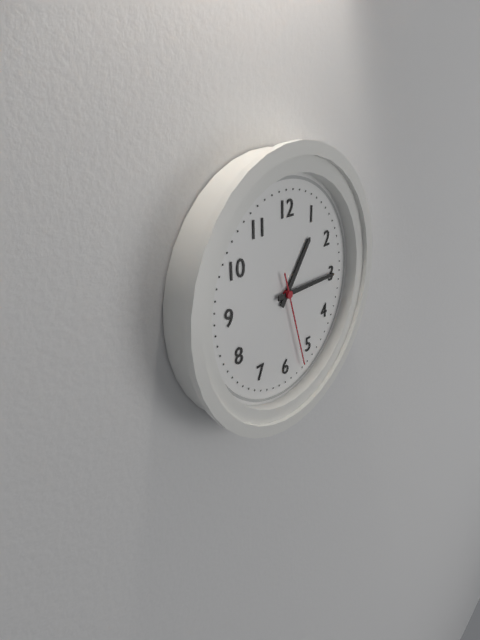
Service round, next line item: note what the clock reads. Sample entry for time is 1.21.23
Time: 1.15.27
